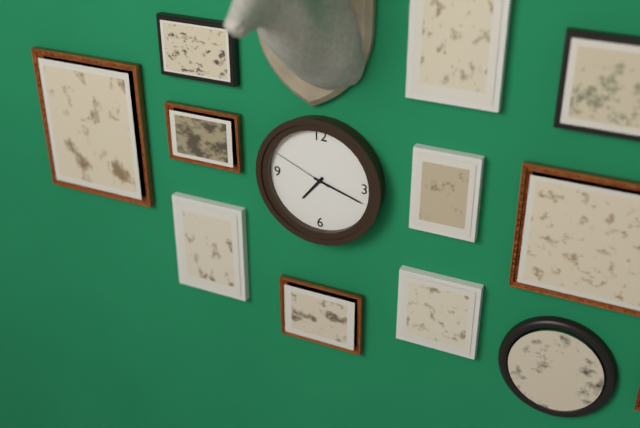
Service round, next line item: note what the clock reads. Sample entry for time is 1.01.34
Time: 7.18.49
